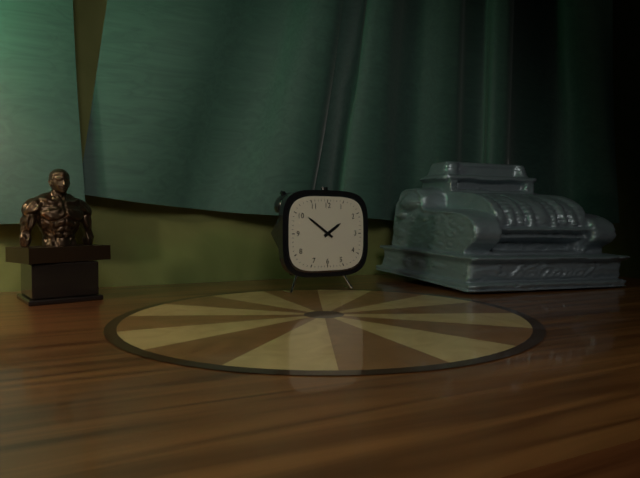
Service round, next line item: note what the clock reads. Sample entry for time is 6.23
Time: 1.51
